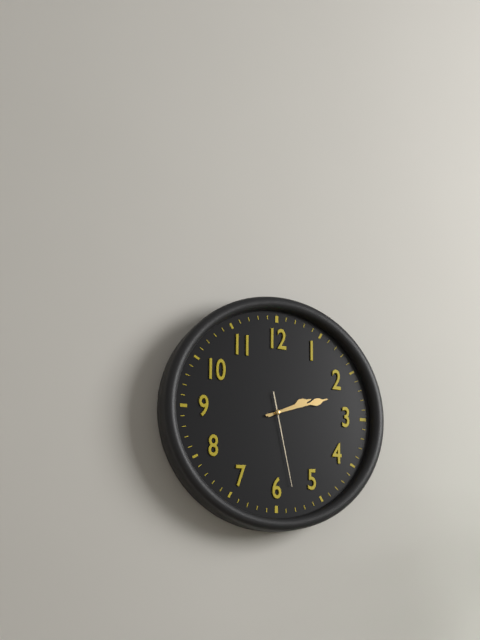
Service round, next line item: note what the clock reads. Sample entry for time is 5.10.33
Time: 2.12.28
